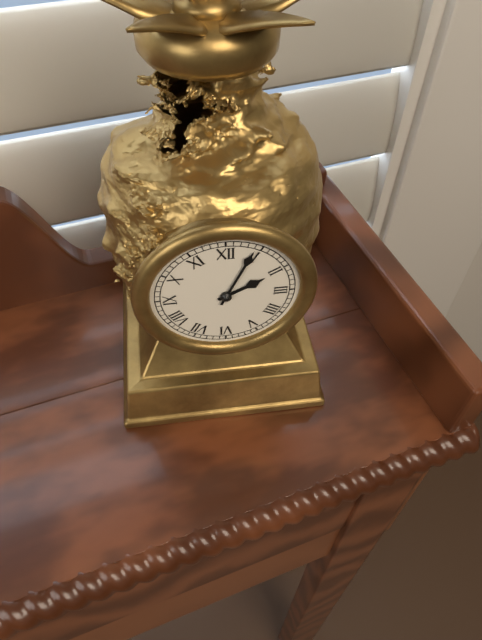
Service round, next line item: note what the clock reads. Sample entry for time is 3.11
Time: 2.04
